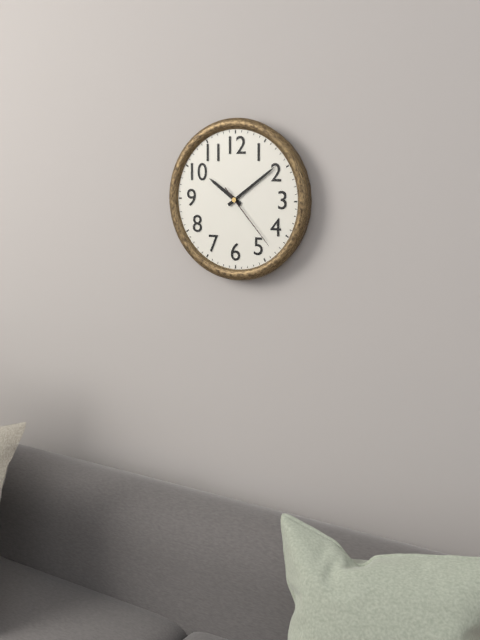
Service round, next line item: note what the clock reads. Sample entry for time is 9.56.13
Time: 10.09.23
